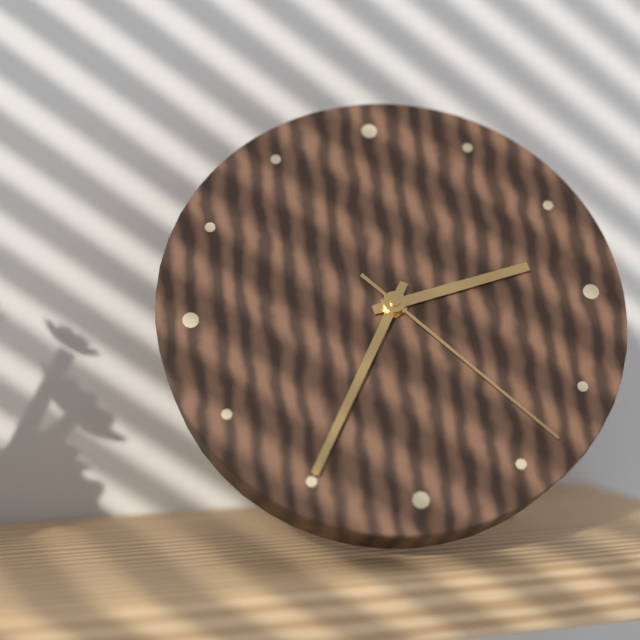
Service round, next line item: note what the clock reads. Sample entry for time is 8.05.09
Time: 2.35.23
